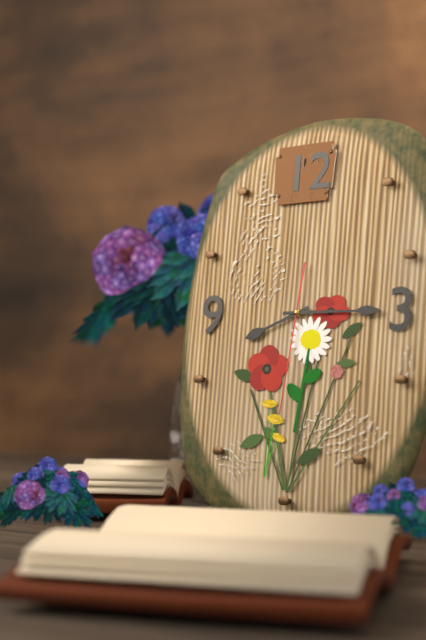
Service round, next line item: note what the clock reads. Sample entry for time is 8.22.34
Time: 8.15.31
